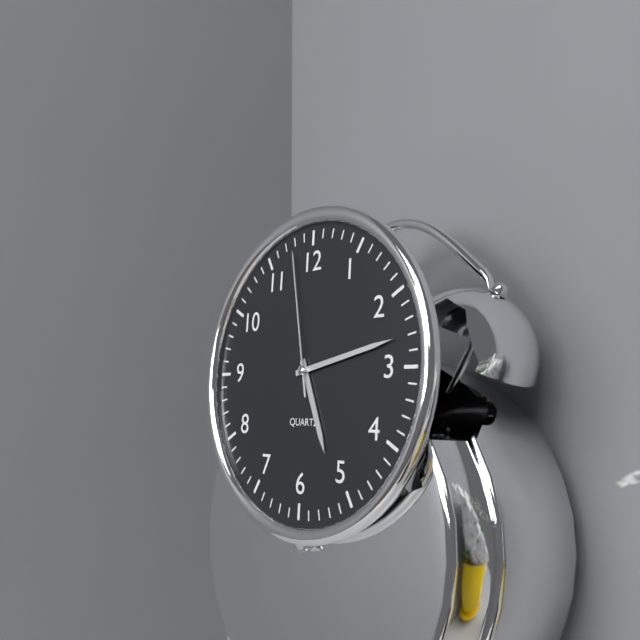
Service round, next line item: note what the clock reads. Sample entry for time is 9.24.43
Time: 5.13.58
